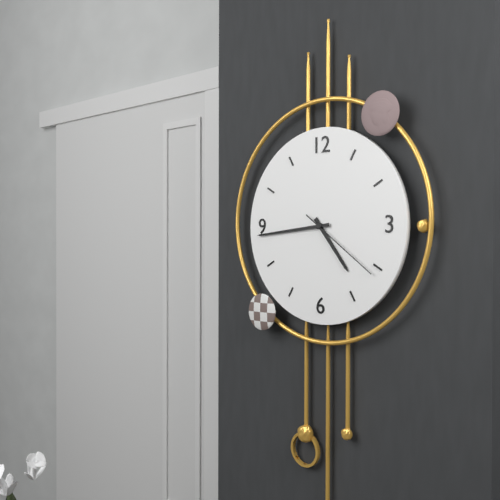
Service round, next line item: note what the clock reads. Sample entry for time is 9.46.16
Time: 4.44.21
